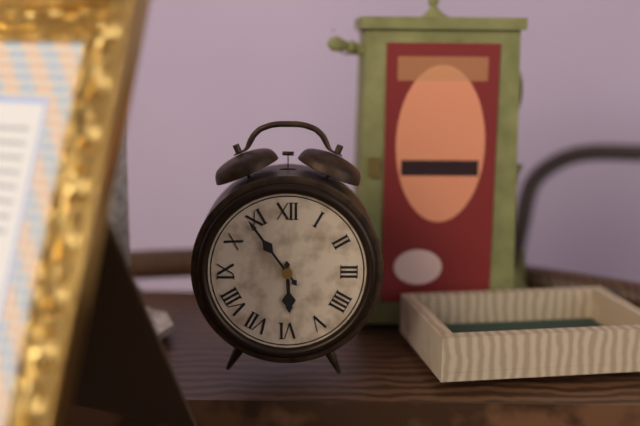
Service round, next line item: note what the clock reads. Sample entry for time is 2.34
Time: 5.54
